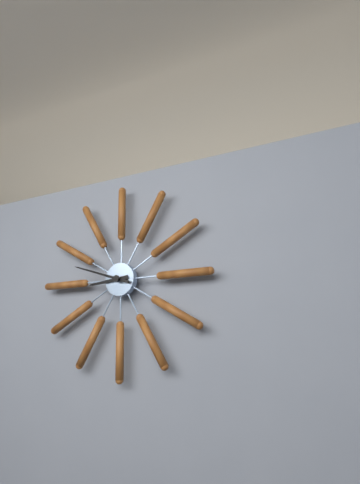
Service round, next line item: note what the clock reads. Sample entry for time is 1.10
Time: 8.48
